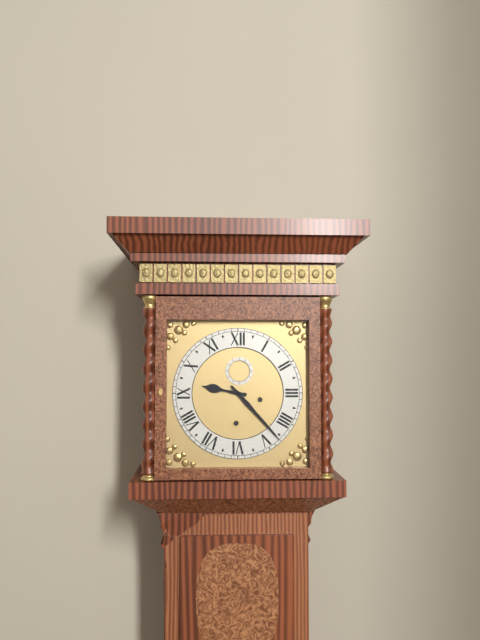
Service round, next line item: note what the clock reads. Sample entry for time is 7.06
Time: 9.23
